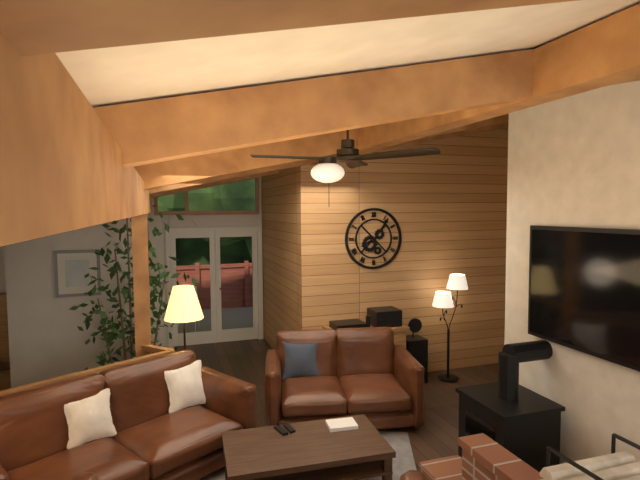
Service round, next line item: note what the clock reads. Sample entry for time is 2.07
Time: 8.06
